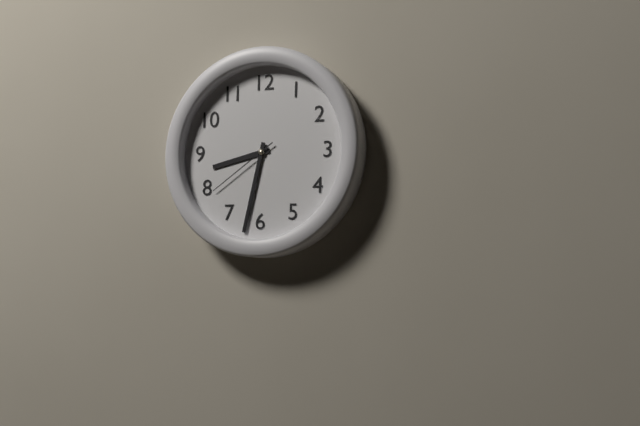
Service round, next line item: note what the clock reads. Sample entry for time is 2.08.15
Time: 8.32.39
